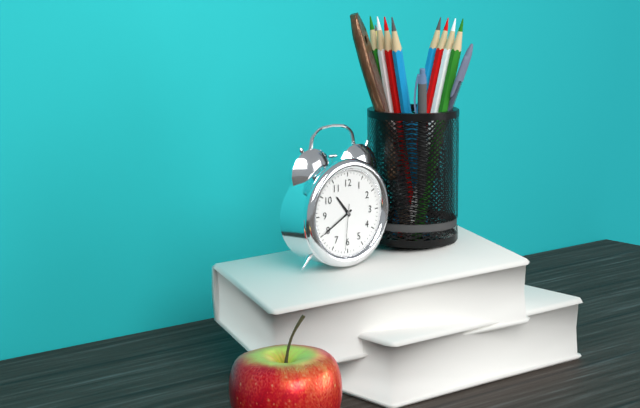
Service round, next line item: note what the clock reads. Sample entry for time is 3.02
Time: 10.40
